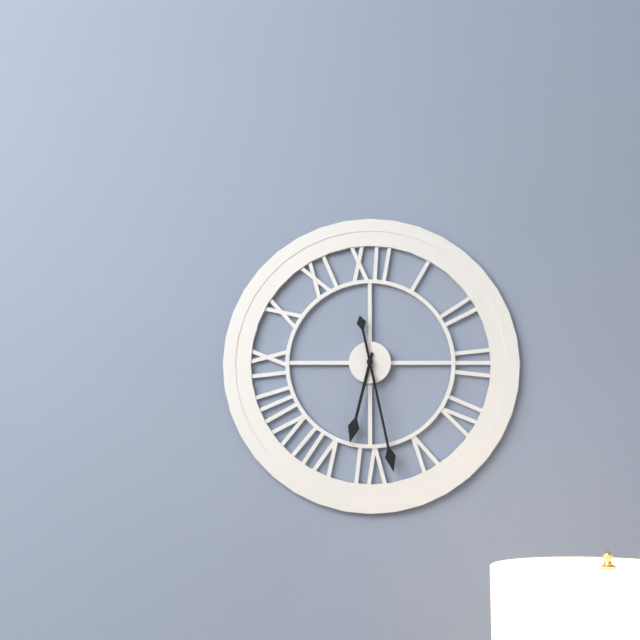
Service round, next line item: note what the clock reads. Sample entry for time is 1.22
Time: 6.28
